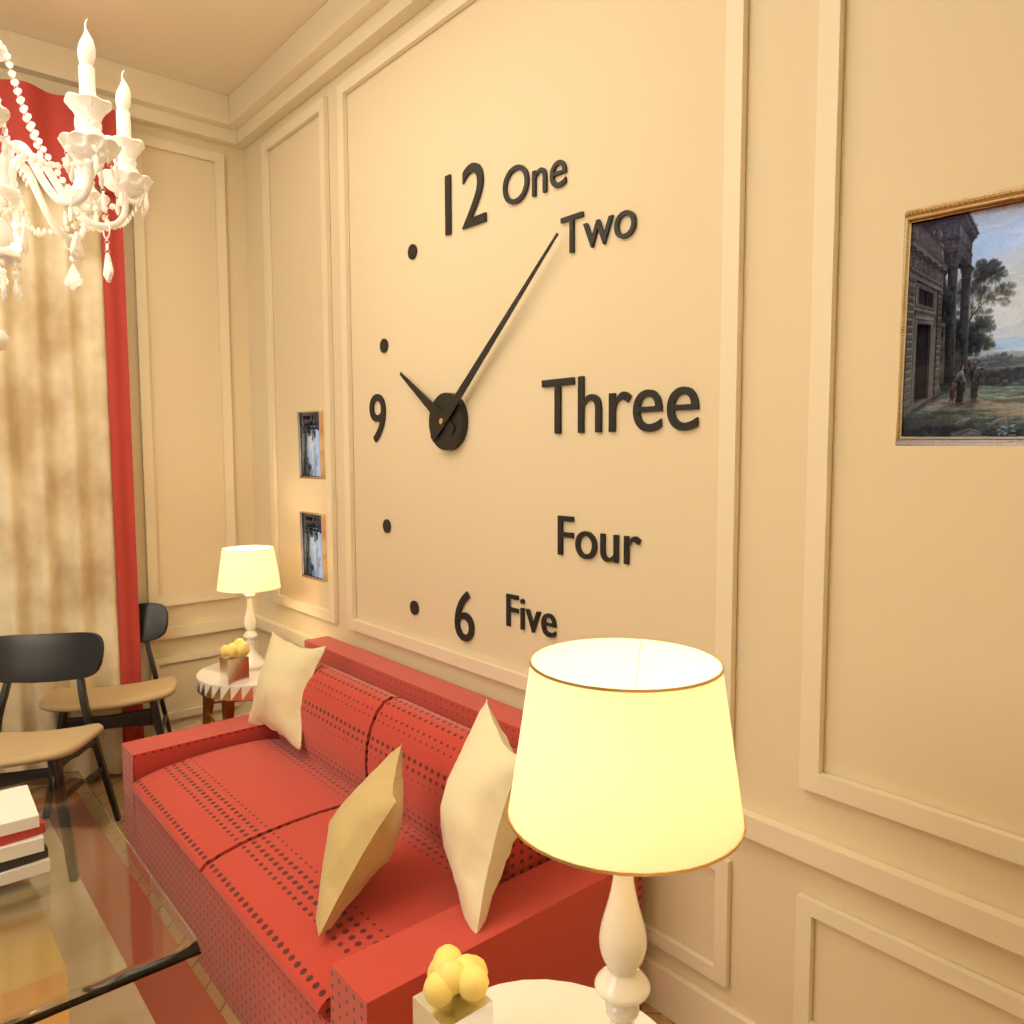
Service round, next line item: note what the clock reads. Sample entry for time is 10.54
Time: 10.08
